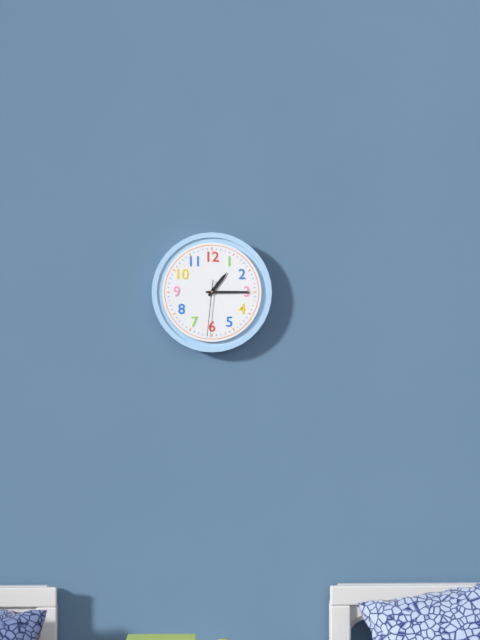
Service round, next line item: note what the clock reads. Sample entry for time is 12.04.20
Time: 1.15.31
